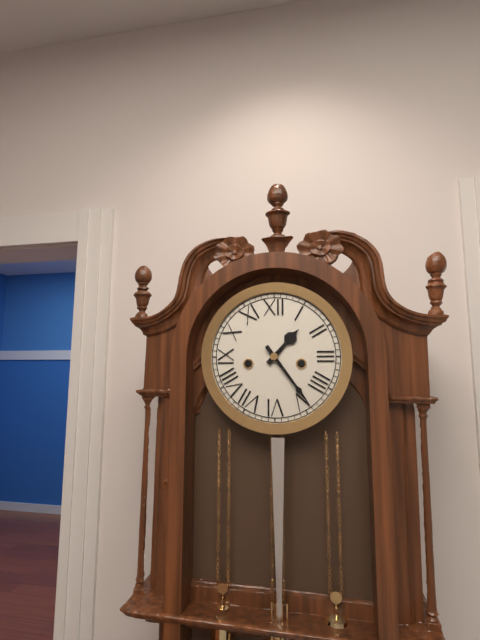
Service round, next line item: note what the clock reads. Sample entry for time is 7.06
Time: 1.24
